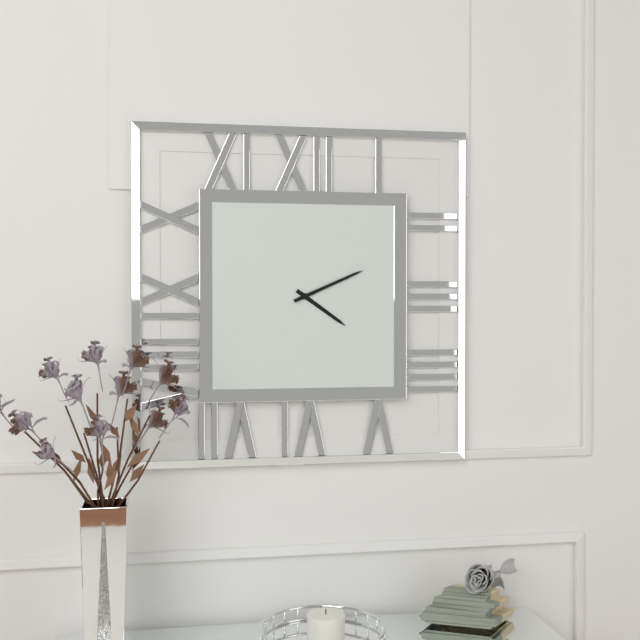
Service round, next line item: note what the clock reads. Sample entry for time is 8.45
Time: 4.11
